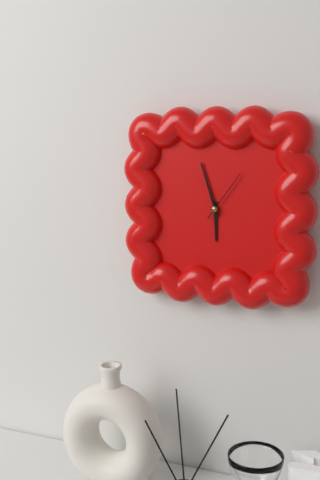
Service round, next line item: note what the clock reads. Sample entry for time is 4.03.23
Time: 5.57.06
